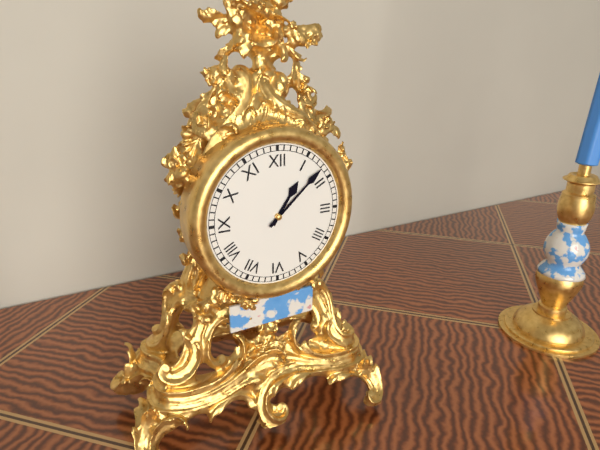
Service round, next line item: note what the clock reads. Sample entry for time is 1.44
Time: 1.08
